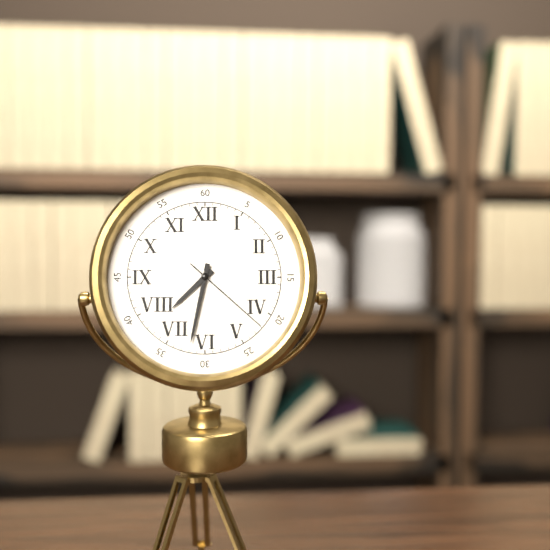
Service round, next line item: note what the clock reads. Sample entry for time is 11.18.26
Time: 7.32.22
